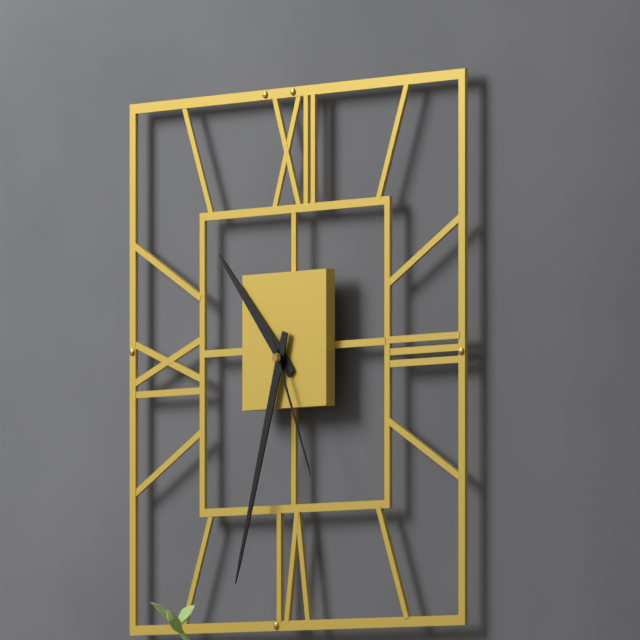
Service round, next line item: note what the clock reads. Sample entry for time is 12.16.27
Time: 10.33.26
